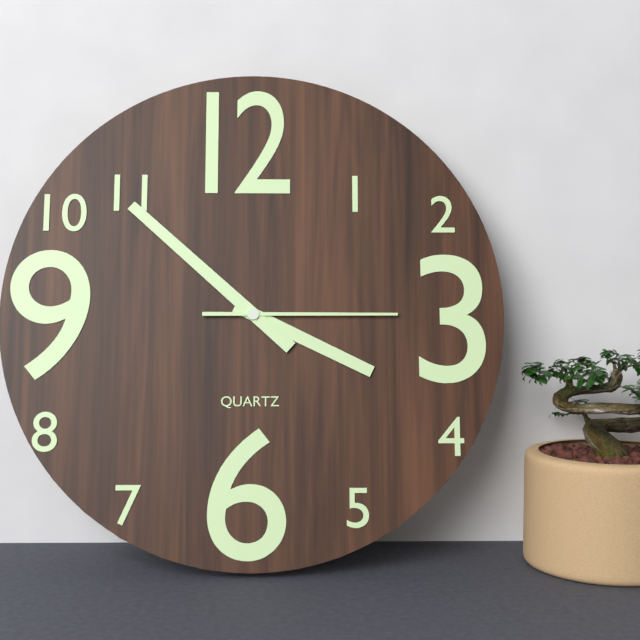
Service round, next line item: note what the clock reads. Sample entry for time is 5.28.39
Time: 3.52.15
